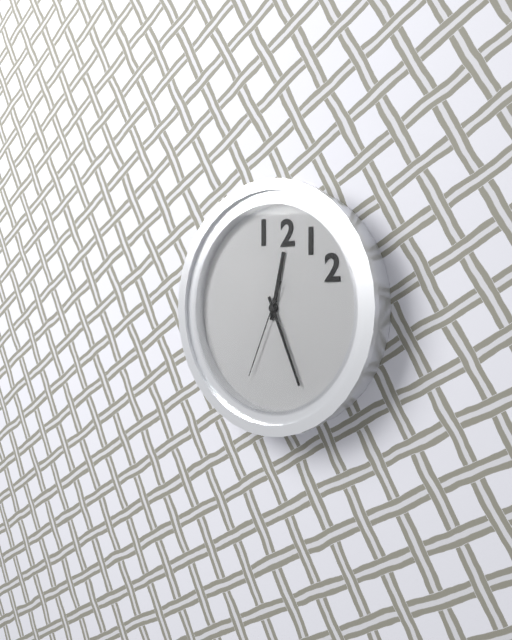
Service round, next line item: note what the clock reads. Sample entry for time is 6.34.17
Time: 12.26.34
